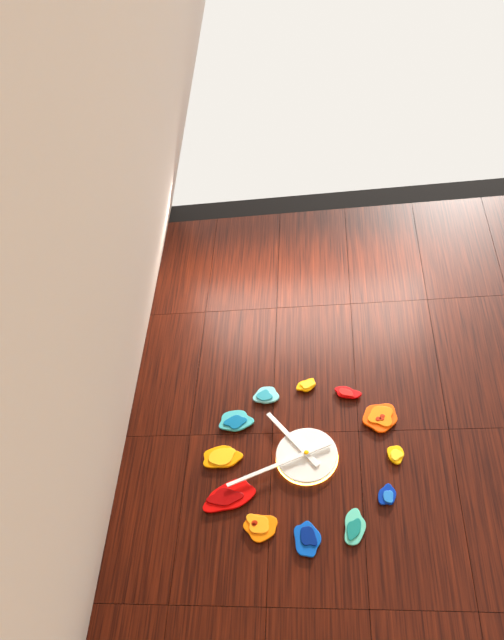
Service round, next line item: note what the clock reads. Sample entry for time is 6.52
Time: 10.41
